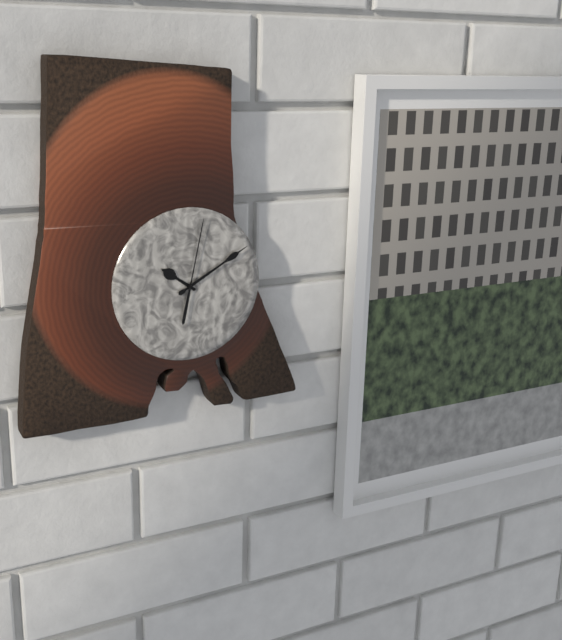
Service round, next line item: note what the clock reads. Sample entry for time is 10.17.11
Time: 10.10.02
